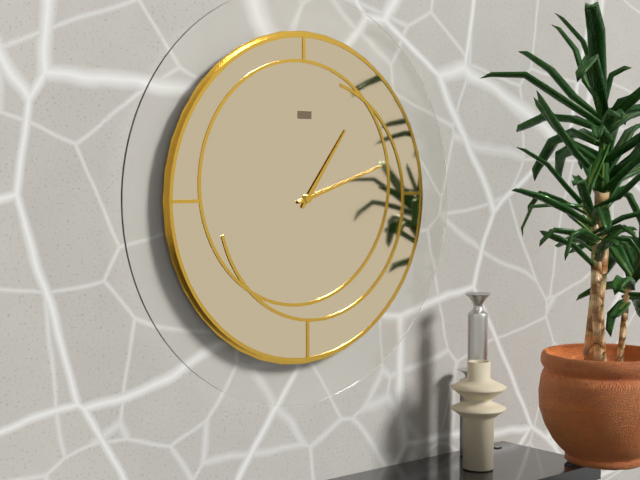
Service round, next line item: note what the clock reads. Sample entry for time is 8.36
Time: 1.12
